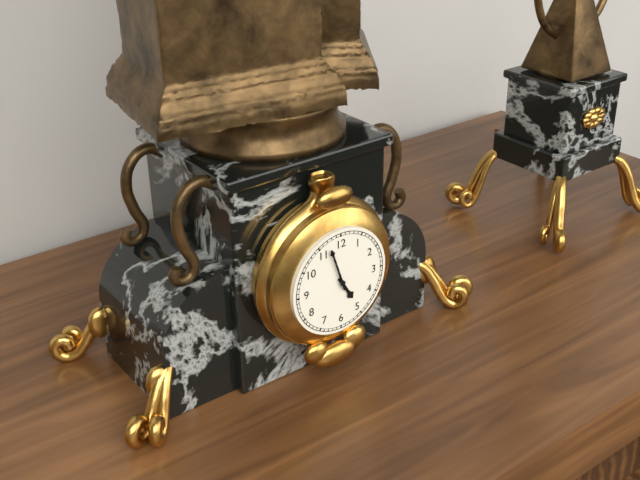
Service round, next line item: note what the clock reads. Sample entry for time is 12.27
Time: 4.57
